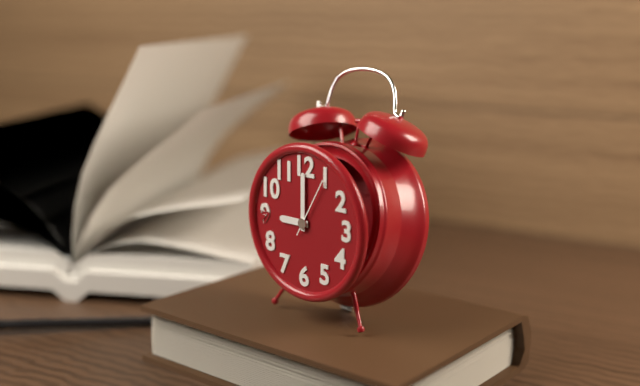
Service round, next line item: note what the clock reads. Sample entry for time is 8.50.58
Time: 9.00.05
